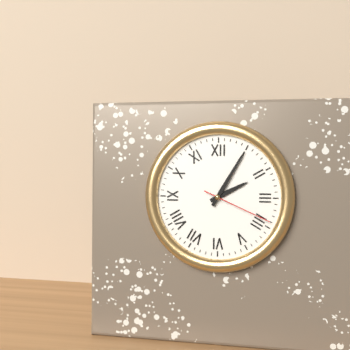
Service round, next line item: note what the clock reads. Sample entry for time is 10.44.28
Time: 2.05.19
